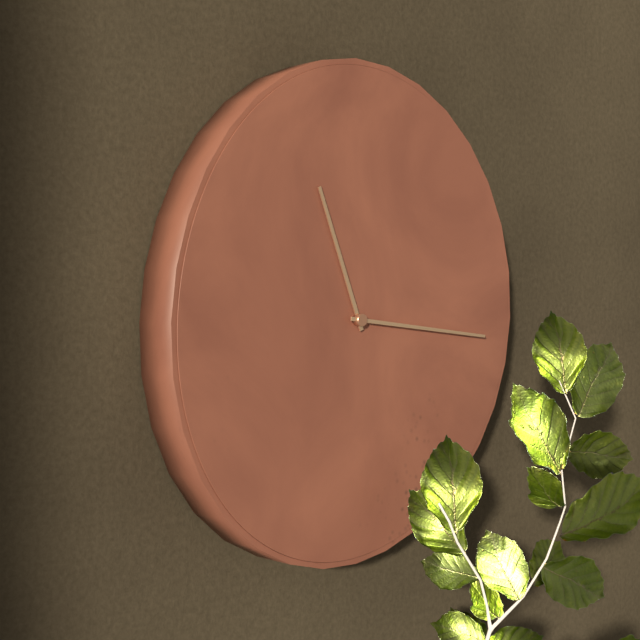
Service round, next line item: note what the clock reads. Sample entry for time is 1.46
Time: 11.16
